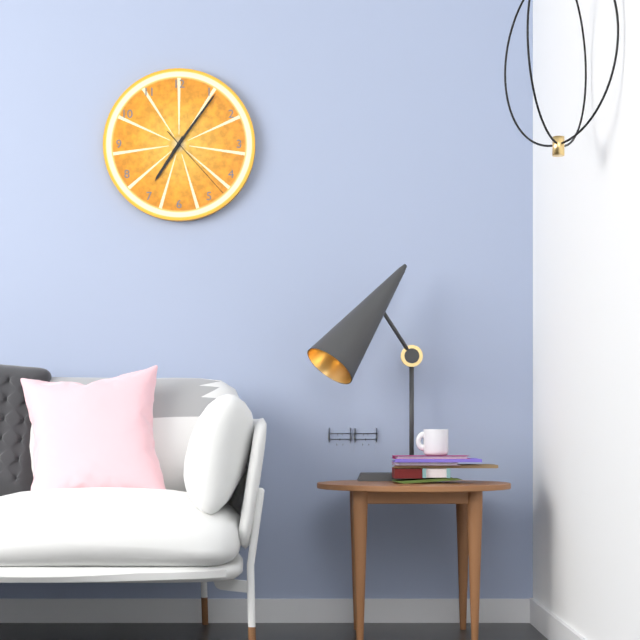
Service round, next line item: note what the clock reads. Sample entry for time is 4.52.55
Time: 7.06.23
